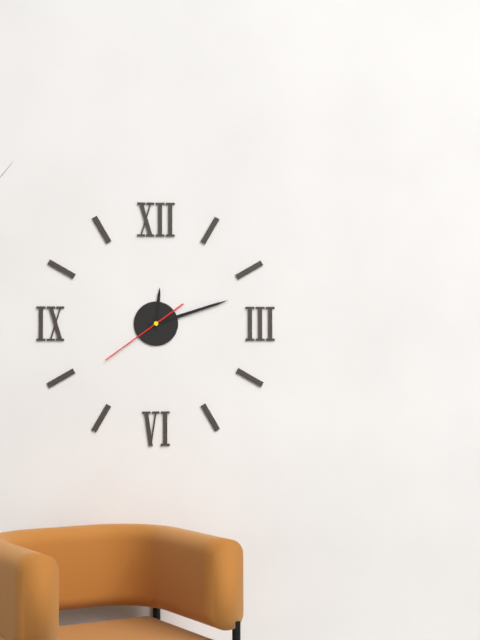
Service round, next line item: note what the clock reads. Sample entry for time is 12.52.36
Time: 12.12.39
